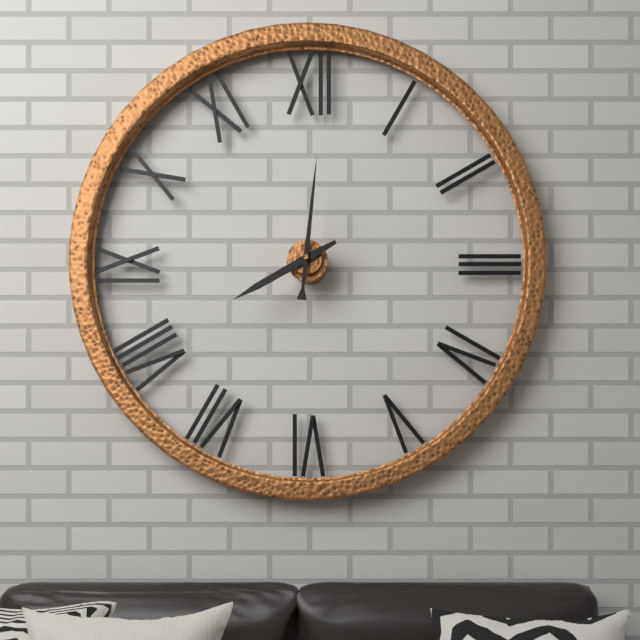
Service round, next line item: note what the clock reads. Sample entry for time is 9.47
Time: 8.01
